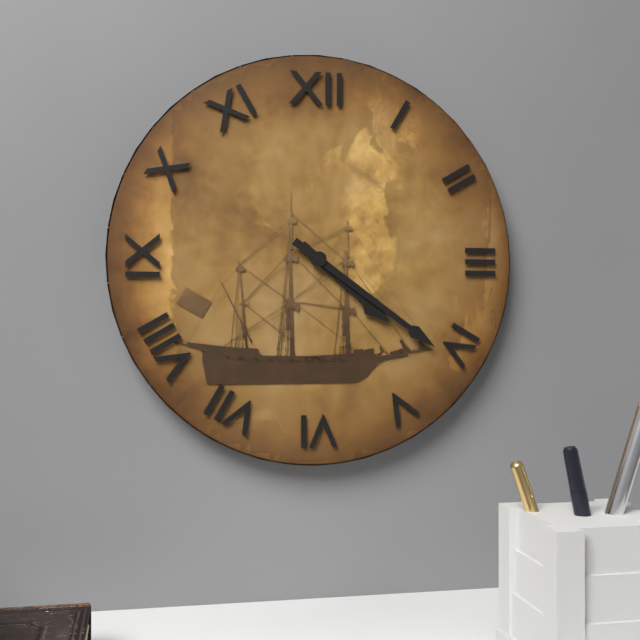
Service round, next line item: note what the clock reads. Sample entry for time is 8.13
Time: 4.21
